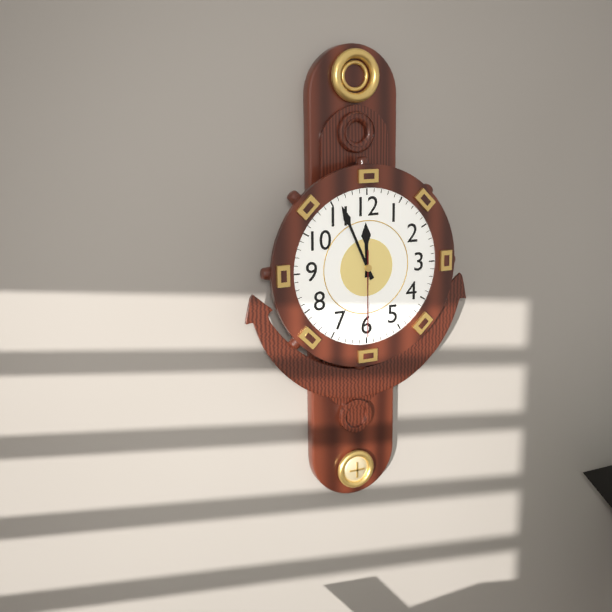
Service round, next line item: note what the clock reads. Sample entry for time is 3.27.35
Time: 11.56.30
